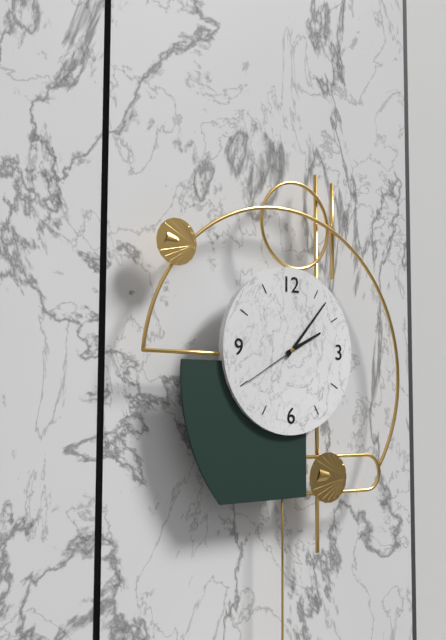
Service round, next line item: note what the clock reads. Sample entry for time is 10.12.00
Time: 2.07.40
